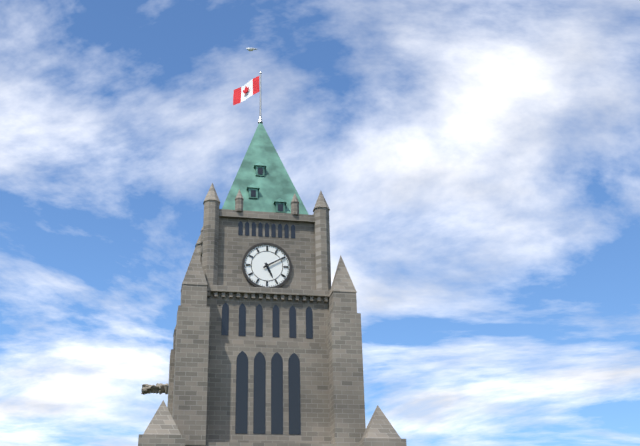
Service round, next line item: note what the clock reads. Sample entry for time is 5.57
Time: 5.10
